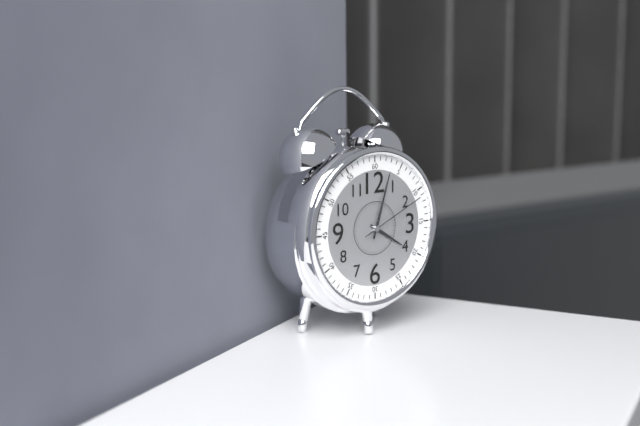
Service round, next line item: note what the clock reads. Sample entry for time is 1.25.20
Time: 4.03.11
